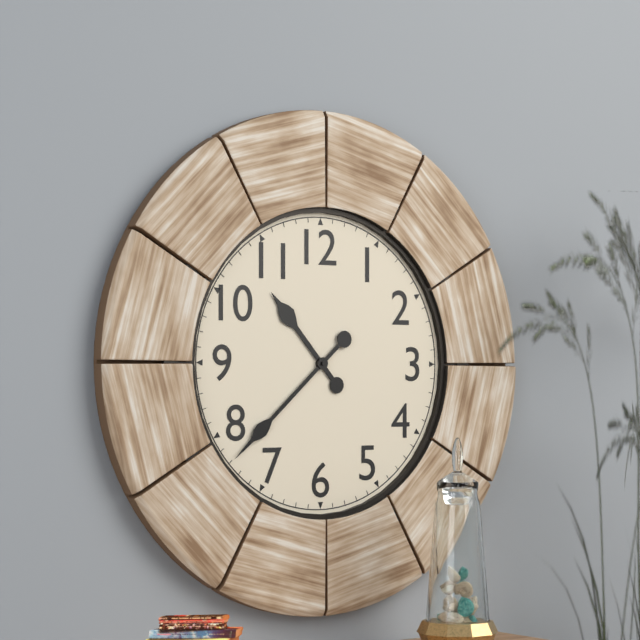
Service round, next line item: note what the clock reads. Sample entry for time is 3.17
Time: 10.38
